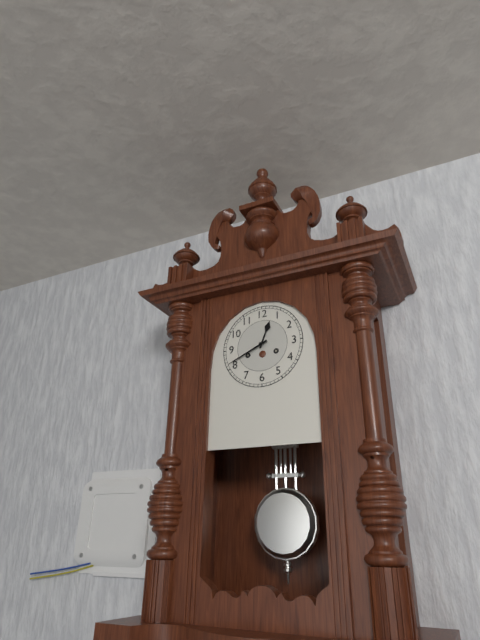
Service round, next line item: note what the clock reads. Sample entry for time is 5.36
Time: 12.41
